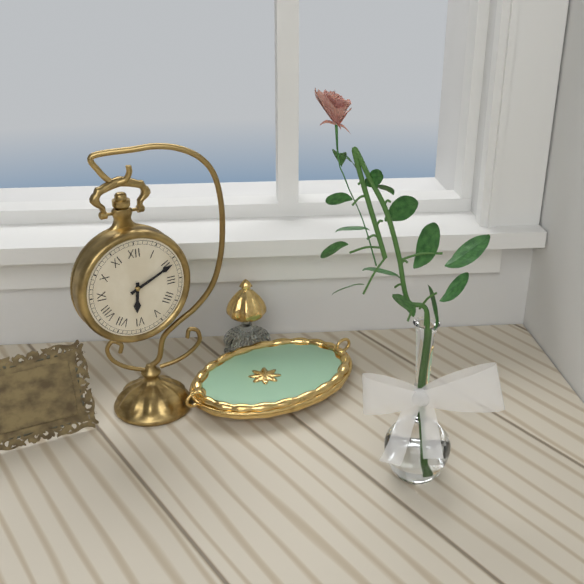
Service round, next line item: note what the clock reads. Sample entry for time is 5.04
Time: 6.11
